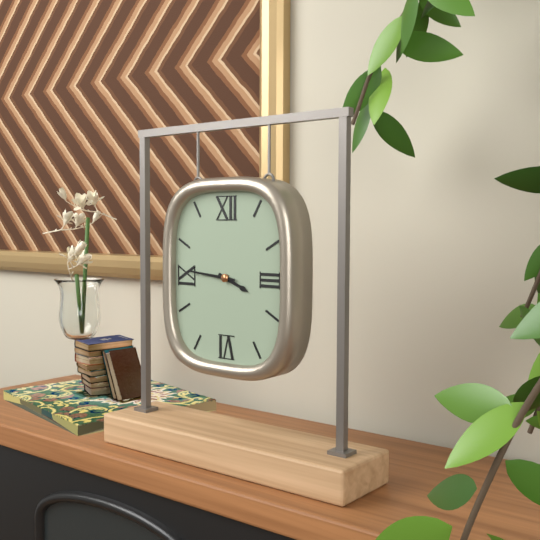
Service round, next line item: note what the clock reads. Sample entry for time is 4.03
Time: 3.46
